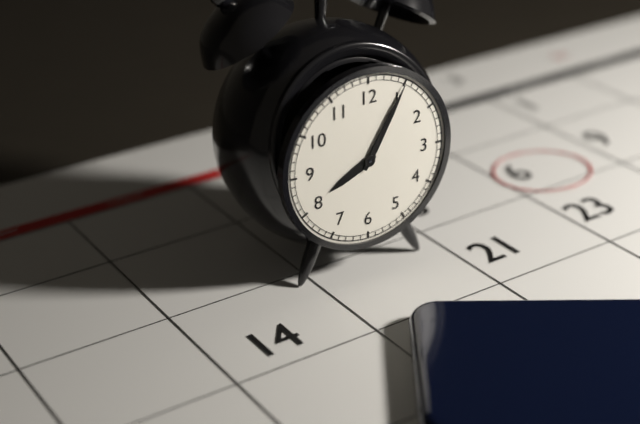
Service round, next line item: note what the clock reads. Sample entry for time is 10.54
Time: 8.05
